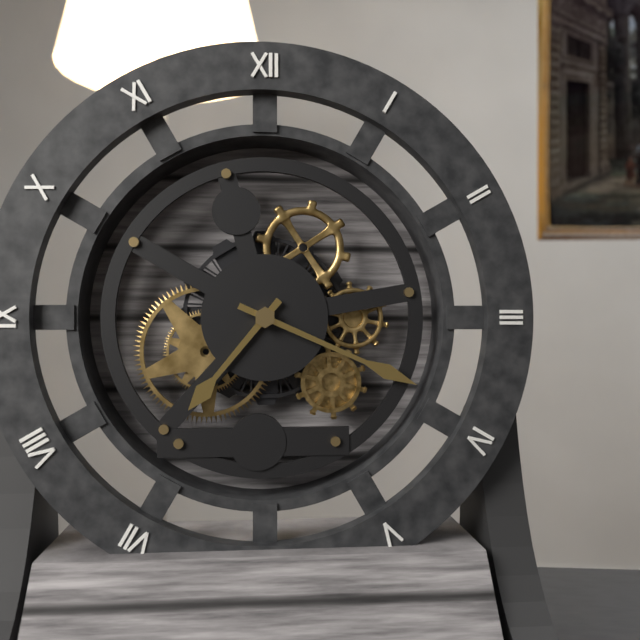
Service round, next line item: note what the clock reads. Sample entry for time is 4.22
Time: 7.19
